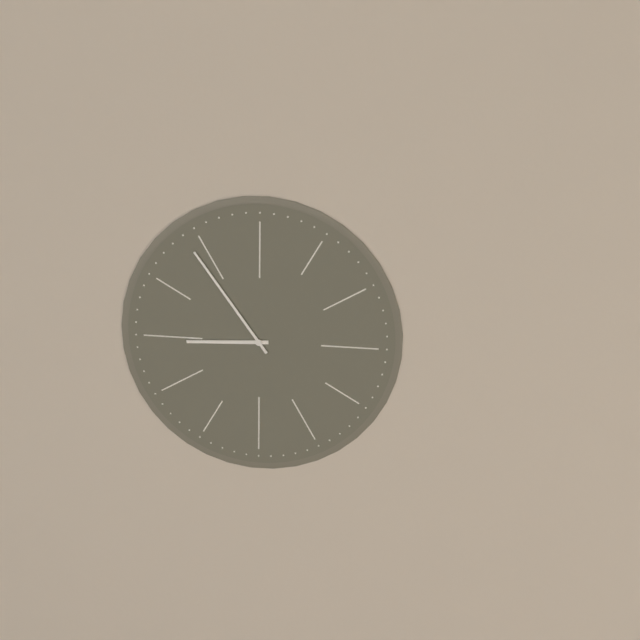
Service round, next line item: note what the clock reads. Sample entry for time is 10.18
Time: 8.54
